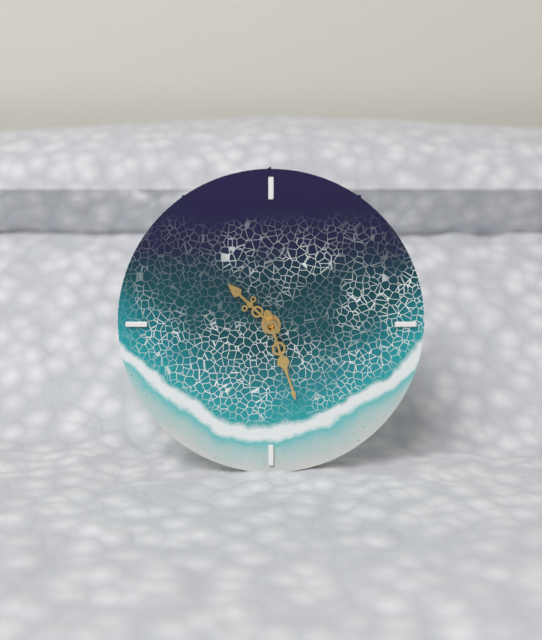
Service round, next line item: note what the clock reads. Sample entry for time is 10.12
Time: 10.27
